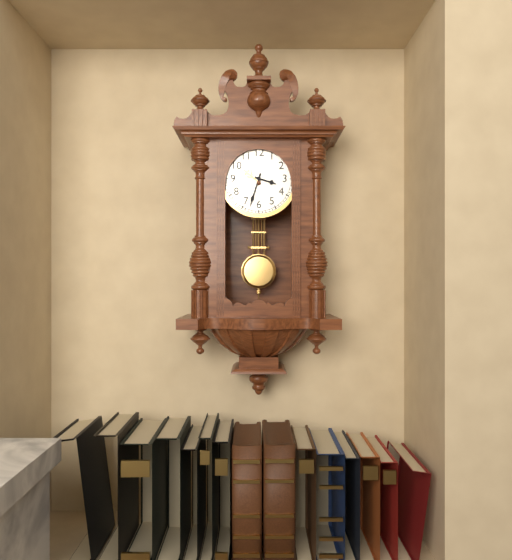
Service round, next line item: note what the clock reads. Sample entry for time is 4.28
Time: 3.33
